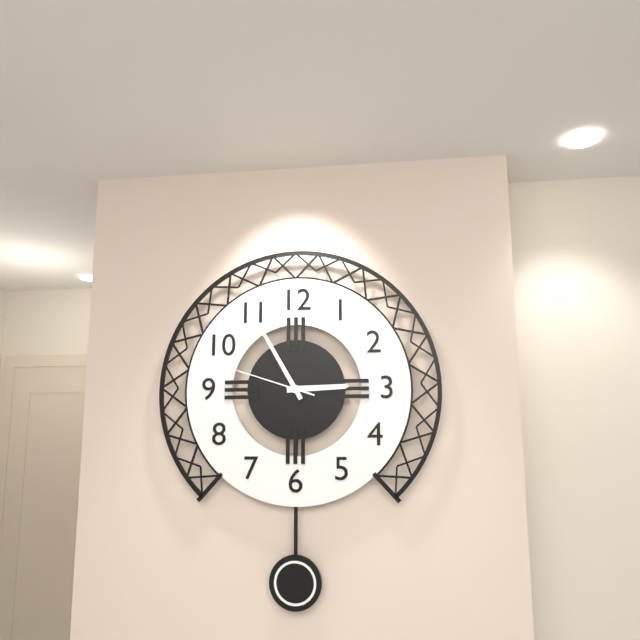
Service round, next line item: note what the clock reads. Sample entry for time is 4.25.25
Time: 2.55.48
